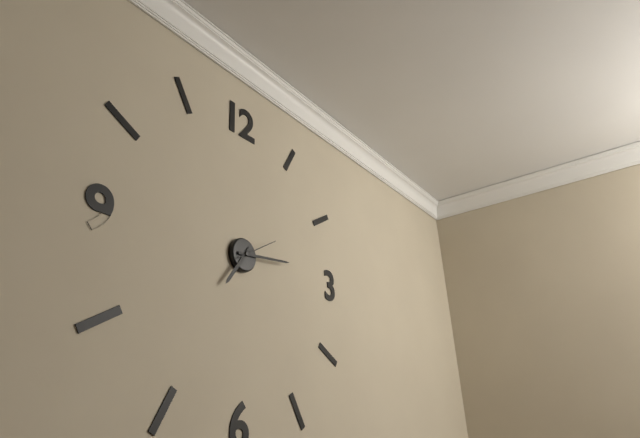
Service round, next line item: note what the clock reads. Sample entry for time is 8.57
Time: 7.14
